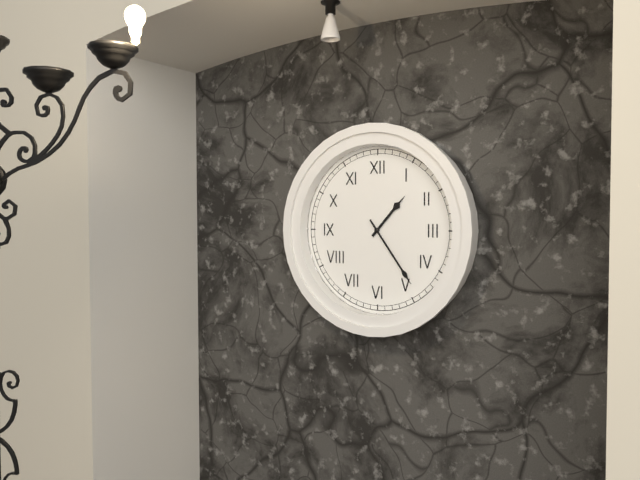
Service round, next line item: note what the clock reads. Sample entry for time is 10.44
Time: 1.24
